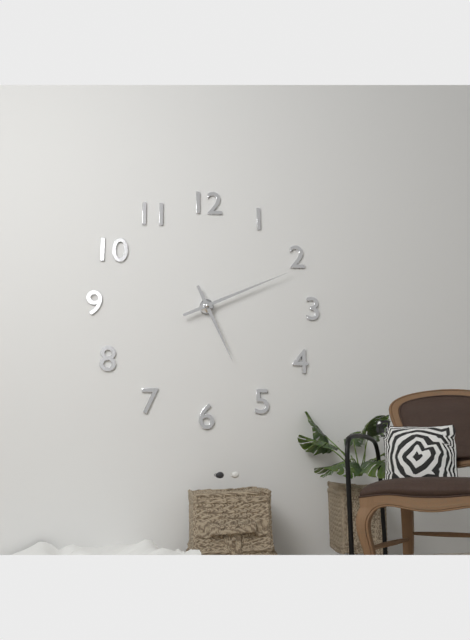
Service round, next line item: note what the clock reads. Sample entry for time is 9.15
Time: 5.11
